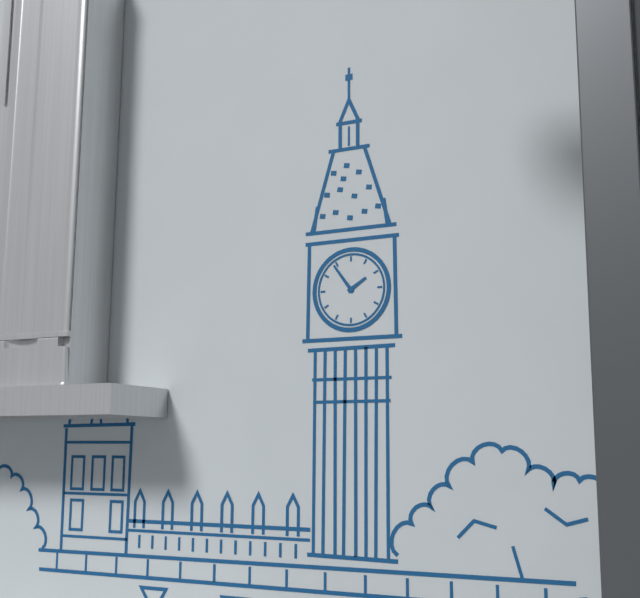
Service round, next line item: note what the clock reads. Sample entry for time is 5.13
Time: 1.54
